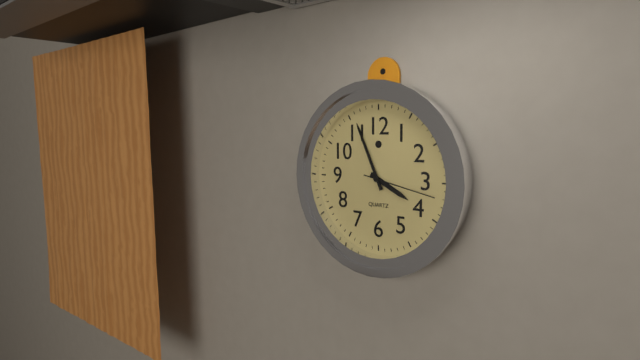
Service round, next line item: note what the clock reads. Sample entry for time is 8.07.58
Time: 3.56.17
